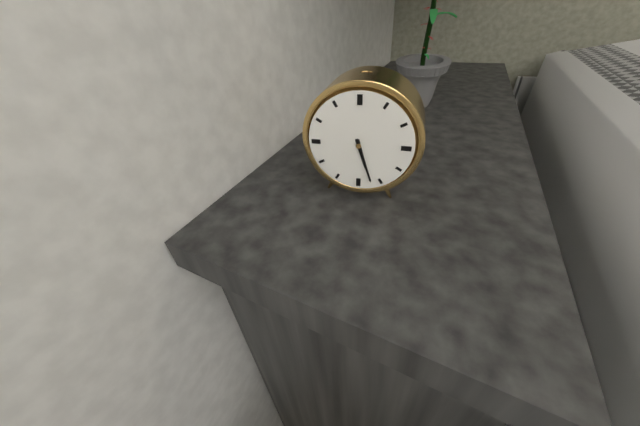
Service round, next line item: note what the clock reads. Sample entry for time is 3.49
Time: 5.27
